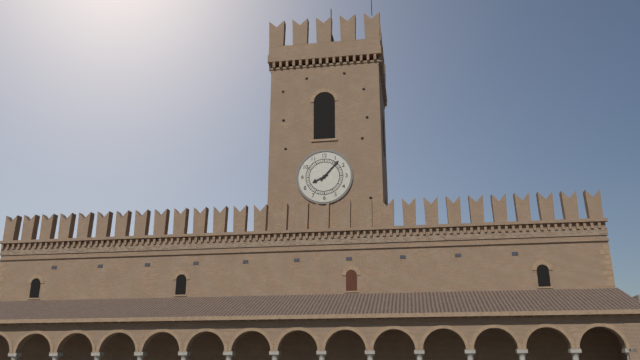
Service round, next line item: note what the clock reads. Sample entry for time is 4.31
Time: 8.07
